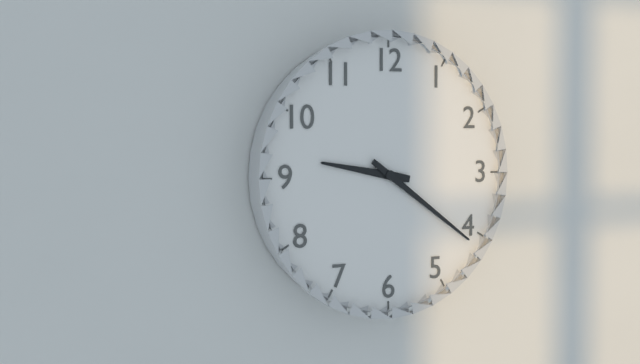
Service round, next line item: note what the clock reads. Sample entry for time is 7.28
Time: 9.21
